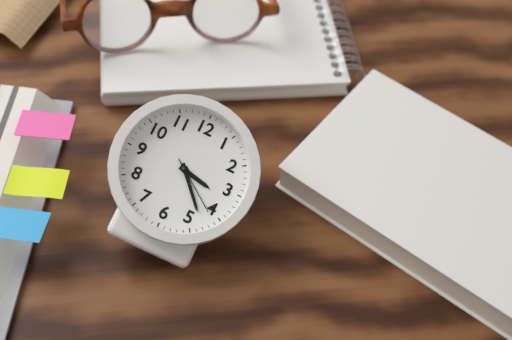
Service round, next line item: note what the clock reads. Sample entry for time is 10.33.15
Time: 3.23.21
